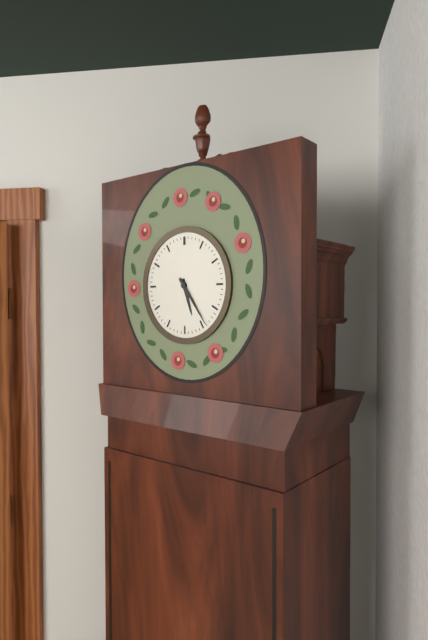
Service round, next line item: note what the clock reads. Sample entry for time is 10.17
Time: 5.24
